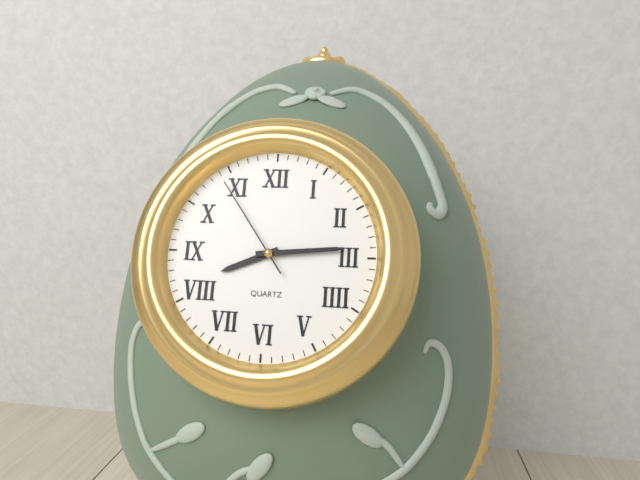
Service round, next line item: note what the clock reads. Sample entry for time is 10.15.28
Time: 8.14.54
